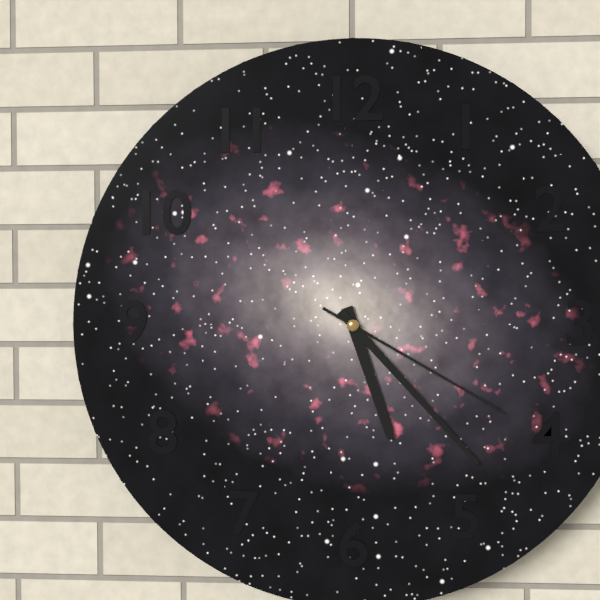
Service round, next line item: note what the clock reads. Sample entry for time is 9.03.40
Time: 5.23.20
